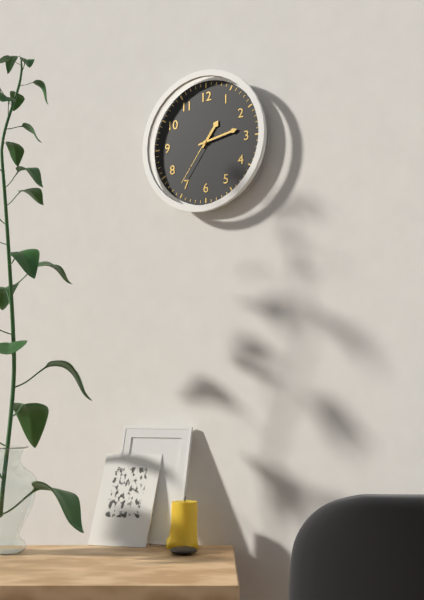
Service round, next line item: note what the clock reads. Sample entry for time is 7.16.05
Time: 1.13.36
